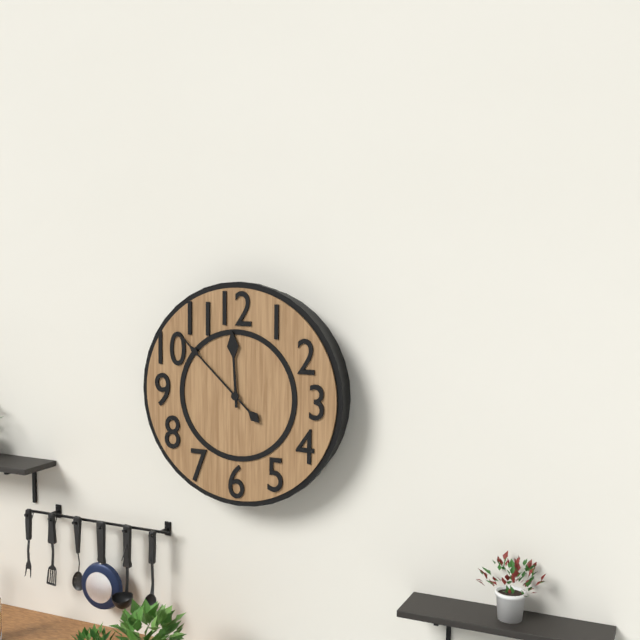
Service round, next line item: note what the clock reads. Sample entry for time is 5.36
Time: 11.52
